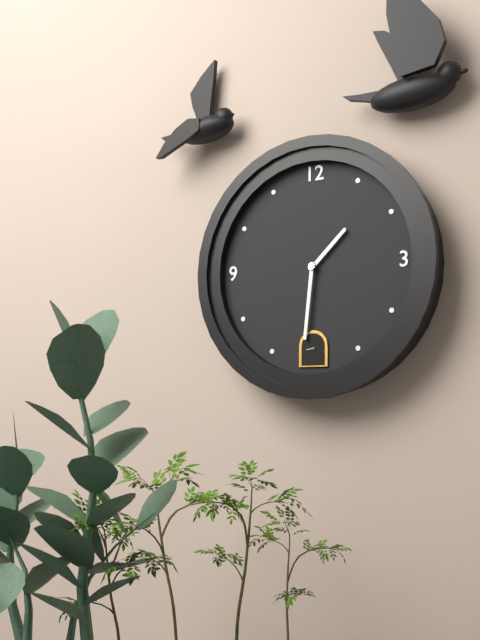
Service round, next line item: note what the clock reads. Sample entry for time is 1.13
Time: 1.31
